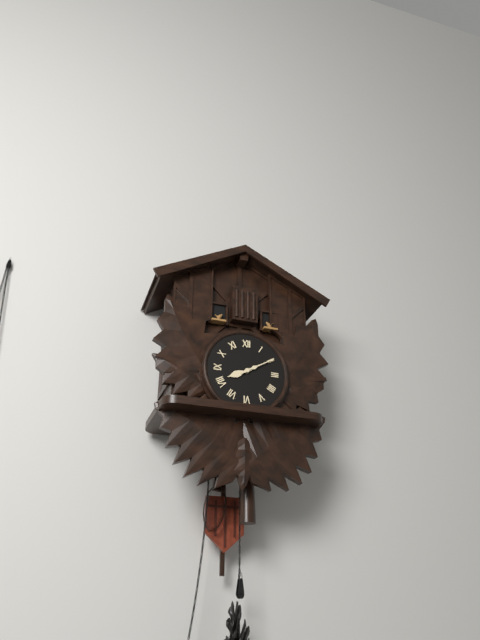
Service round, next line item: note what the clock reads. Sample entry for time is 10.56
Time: 8.10
